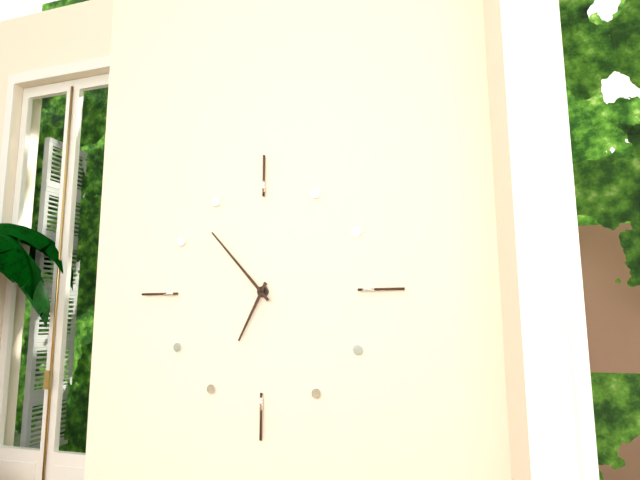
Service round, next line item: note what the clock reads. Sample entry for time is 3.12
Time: 6.53
